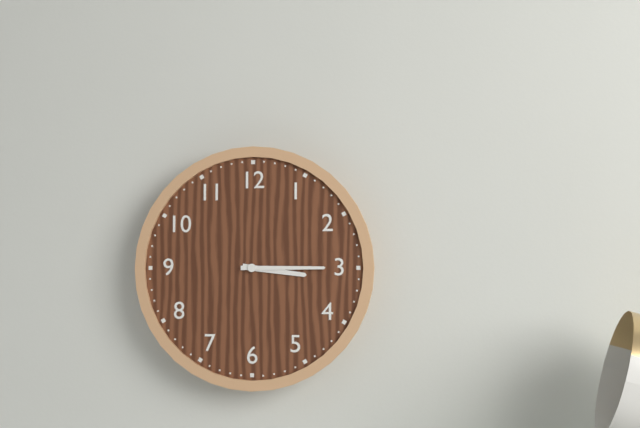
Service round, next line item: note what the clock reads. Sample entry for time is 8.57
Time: 3.15
